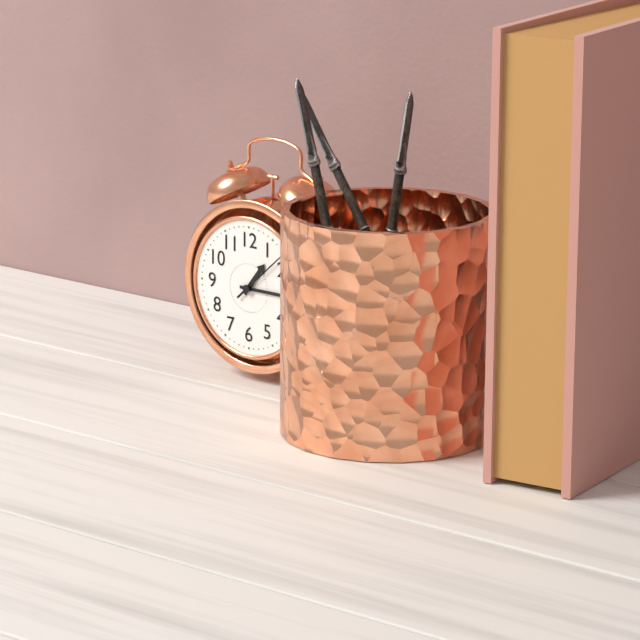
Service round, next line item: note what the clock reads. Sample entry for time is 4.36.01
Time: 1.15.08
